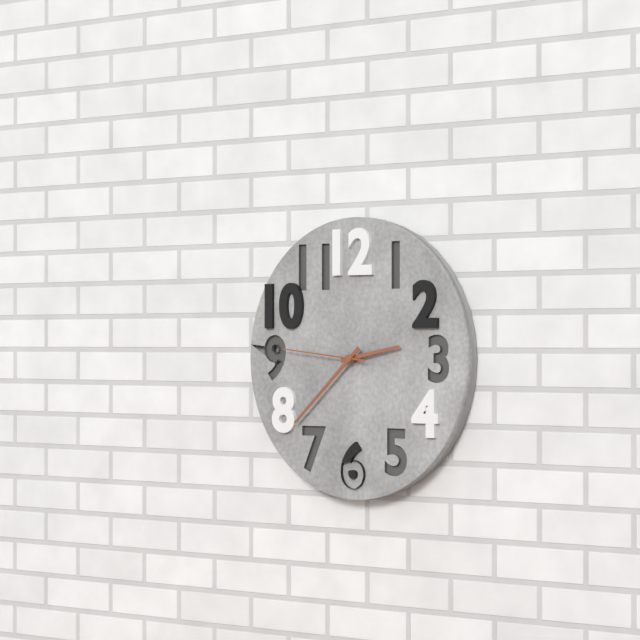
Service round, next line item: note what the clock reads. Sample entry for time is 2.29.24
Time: 2.38.46
